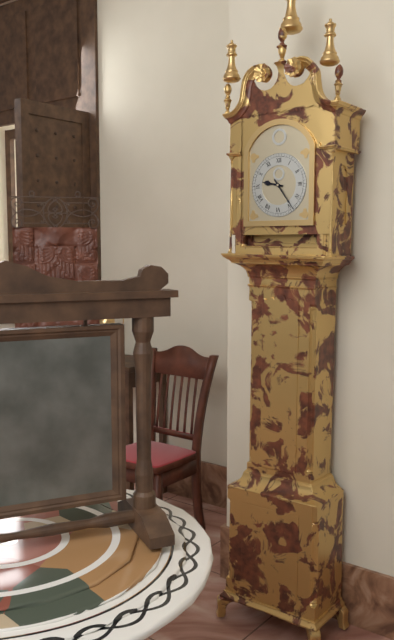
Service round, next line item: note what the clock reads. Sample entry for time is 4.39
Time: 9.24
